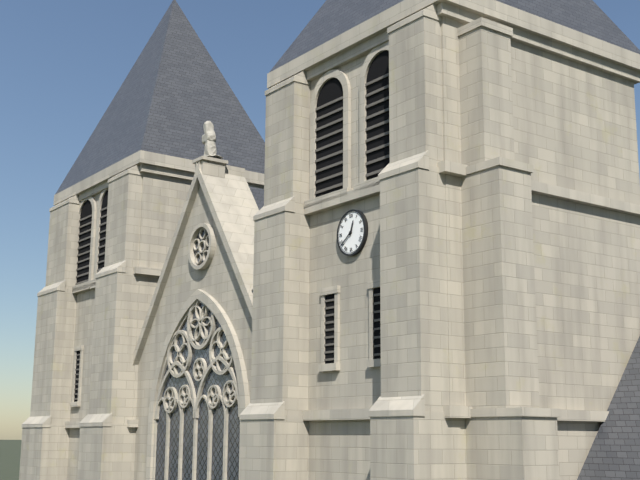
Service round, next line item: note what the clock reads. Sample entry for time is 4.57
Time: 12.39
